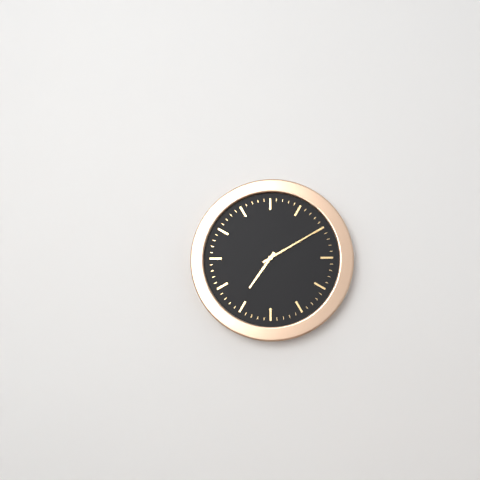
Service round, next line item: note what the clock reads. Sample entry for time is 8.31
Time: 7.10
